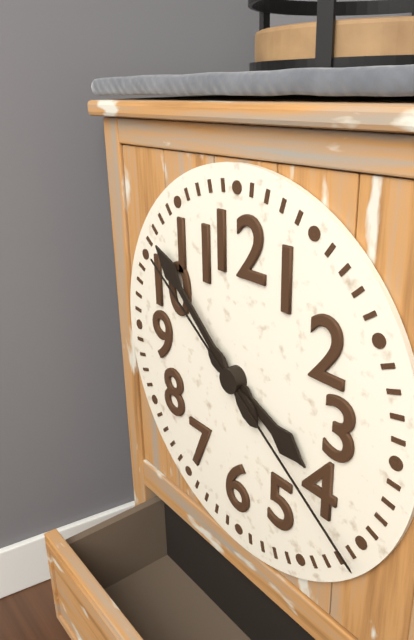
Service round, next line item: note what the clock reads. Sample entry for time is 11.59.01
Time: 3.52.21
